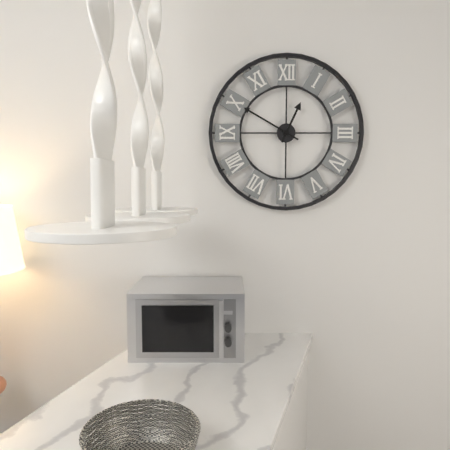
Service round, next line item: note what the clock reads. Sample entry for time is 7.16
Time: 12.50
